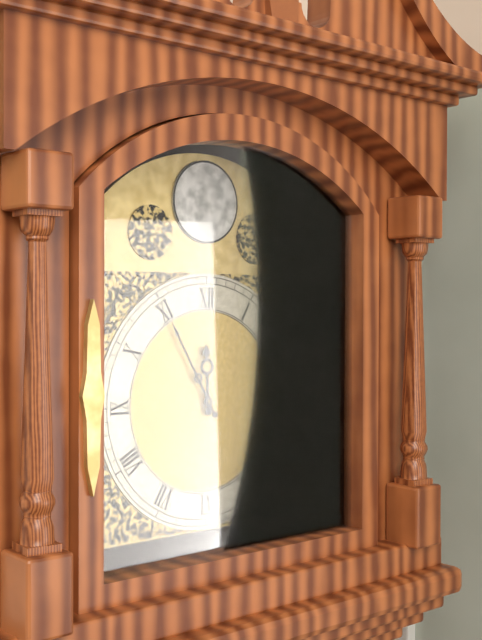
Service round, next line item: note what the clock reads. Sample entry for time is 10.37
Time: 11.55
